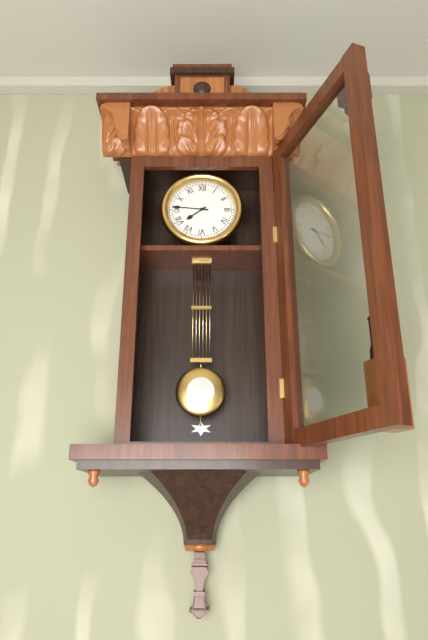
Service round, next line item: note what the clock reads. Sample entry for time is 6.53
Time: 7.46
